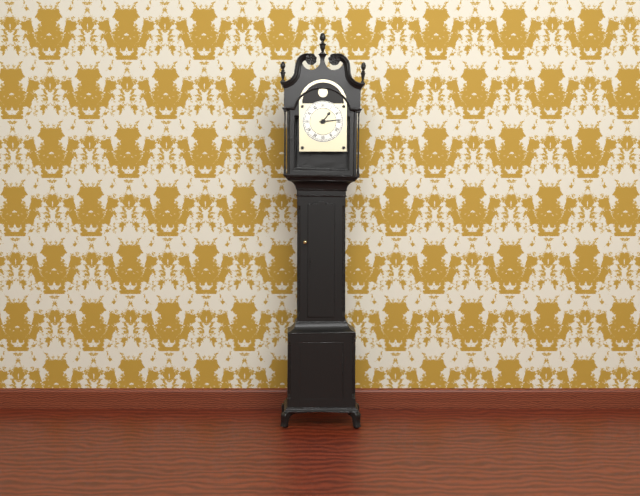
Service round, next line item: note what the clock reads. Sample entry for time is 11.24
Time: 1.14
